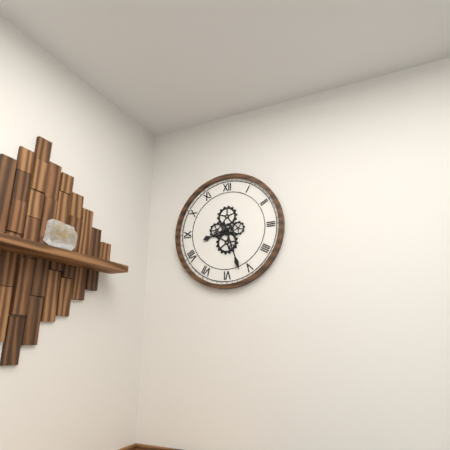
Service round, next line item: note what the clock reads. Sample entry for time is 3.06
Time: 8.27
